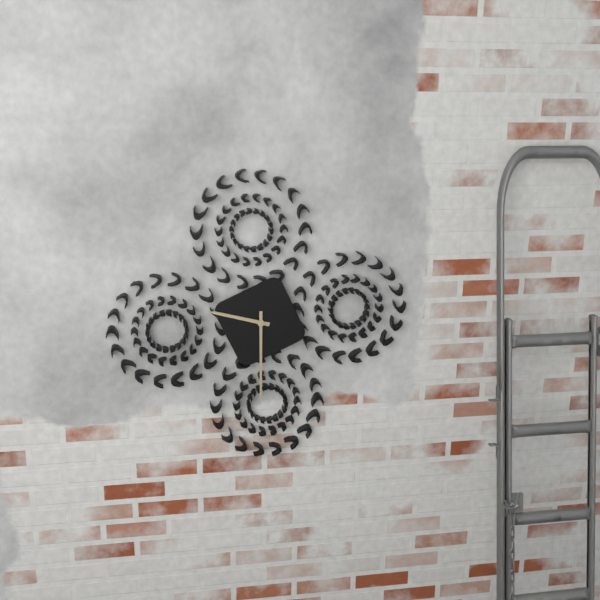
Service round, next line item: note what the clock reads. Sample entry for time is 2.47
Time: 9.30
